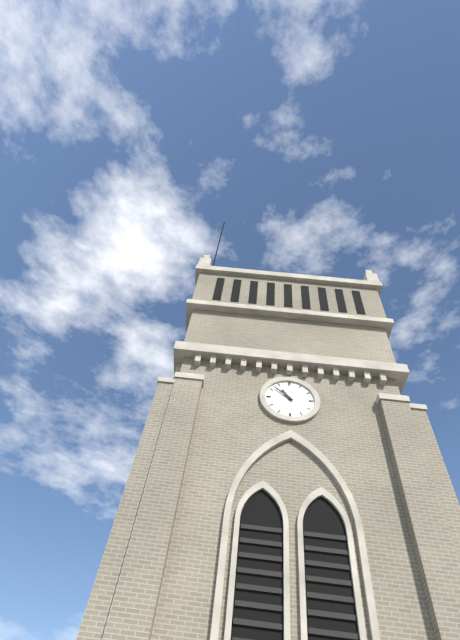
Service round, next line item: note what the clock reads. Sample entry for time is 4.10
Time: 10.52
